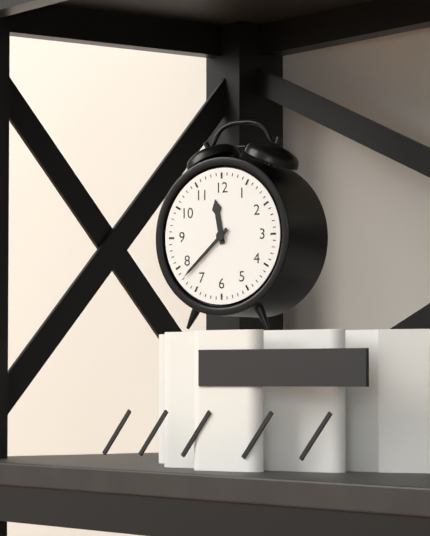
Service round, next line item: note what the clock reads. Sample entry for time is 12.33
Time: 11.38
